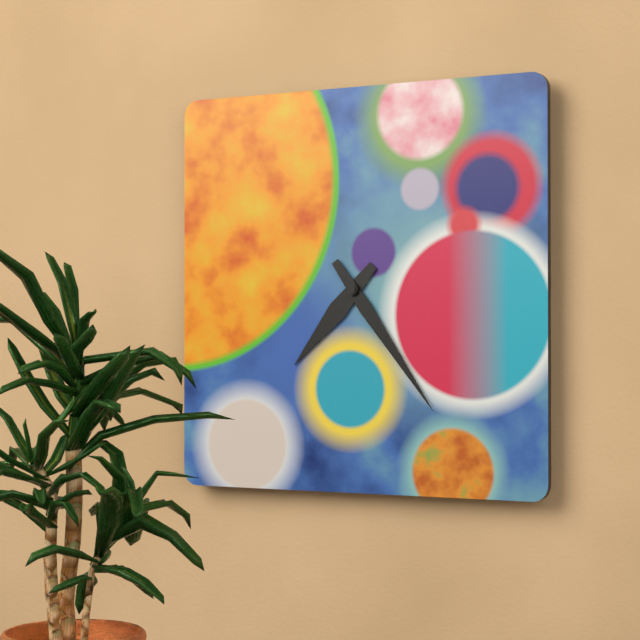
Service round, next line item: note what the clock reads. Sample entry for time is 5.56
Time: 7.24
